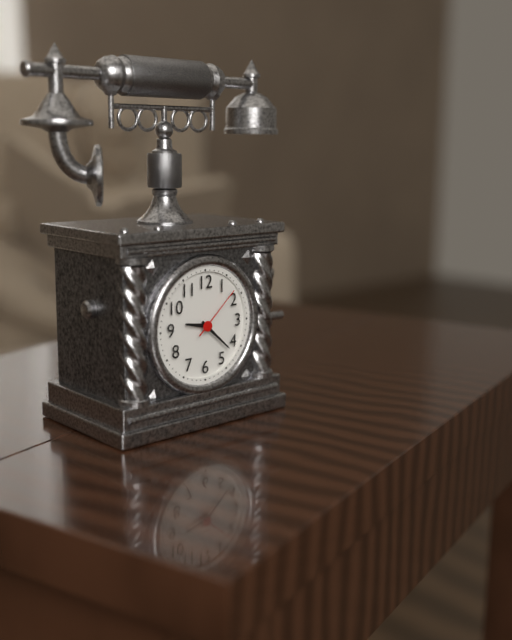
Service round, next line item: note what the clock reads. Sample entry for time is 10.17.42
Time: 9.22.08
